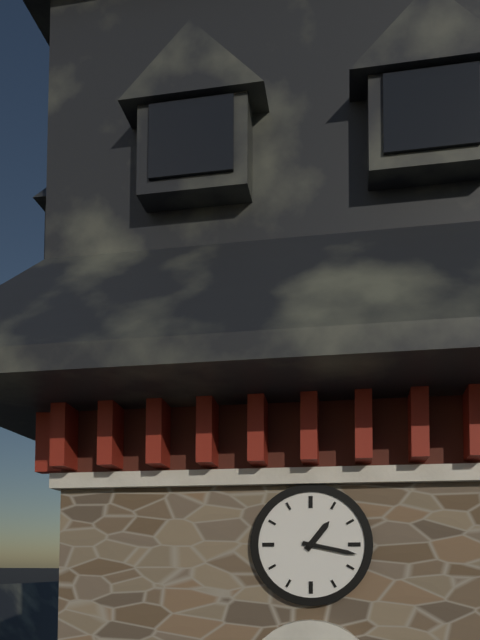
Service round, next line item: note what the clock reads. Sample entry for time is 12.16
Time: 1.17
